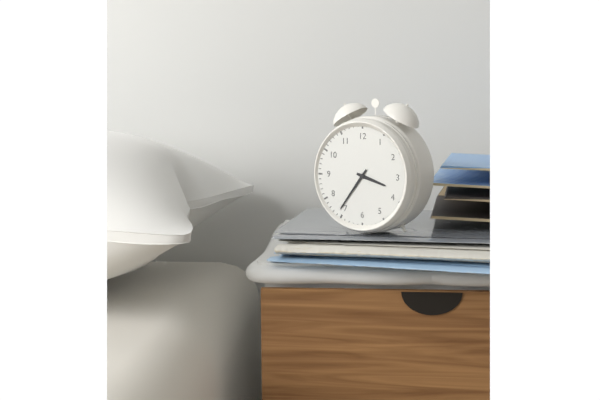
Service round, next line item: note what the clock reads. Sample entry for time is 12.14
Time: 3.36
